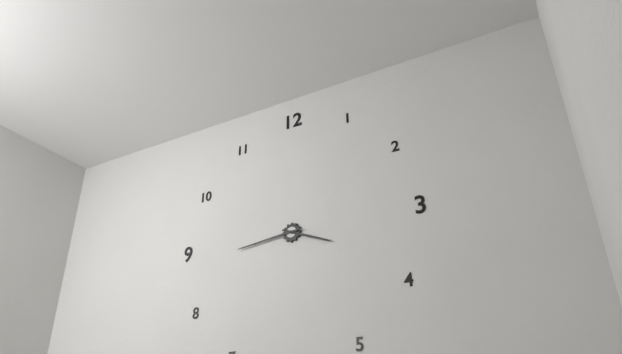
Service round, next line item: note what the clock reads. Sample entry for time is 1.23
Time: 3.44
